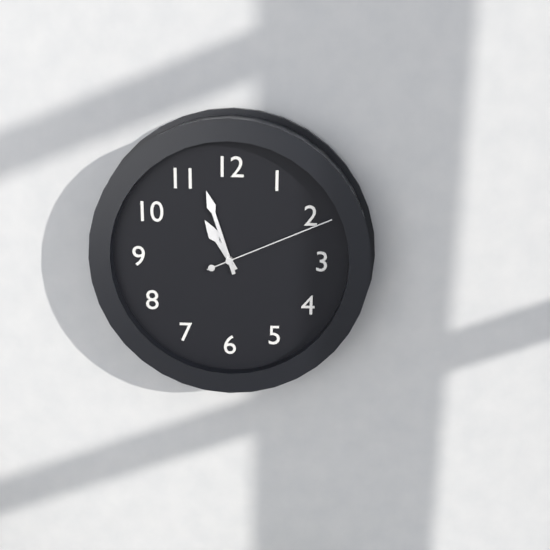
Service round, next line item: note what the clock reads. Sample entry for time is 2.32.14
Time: 10.57.11
